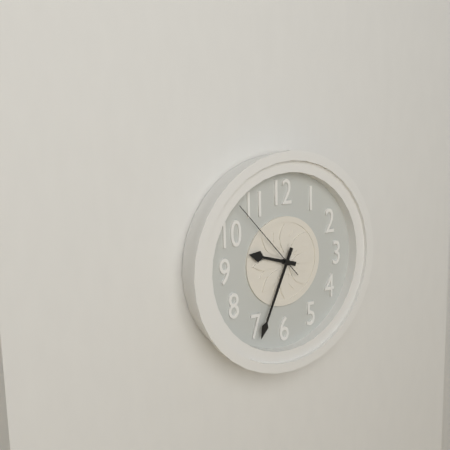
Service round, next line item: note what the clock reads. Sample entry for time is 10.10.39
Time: 9.34.53
